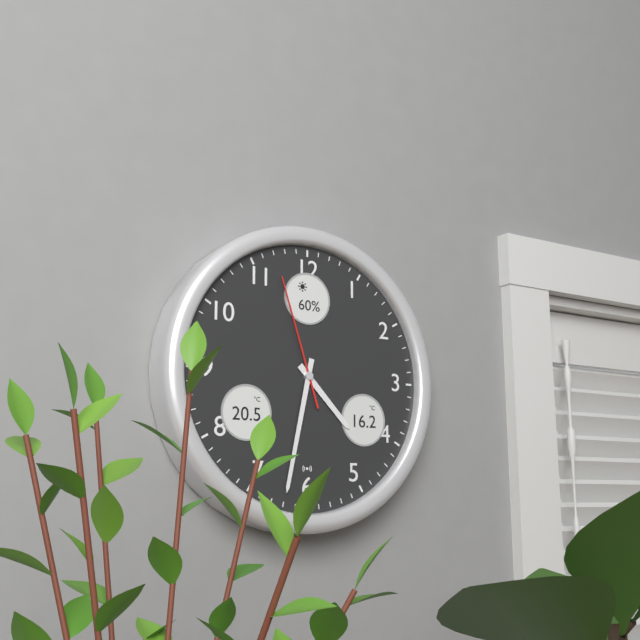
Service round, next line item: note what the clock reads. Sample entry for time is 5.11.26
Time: 4.32.57
